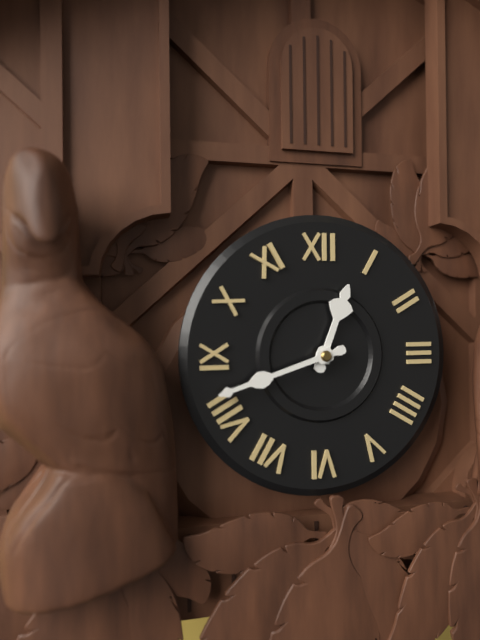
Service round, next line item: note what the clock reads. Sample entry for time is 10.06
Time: 12.42
